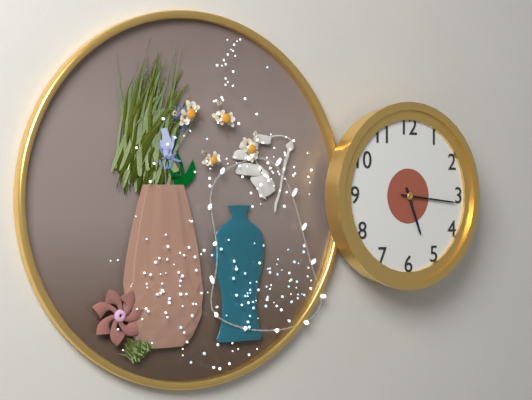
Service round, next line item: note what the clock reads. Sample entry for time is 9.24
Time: 5.16
